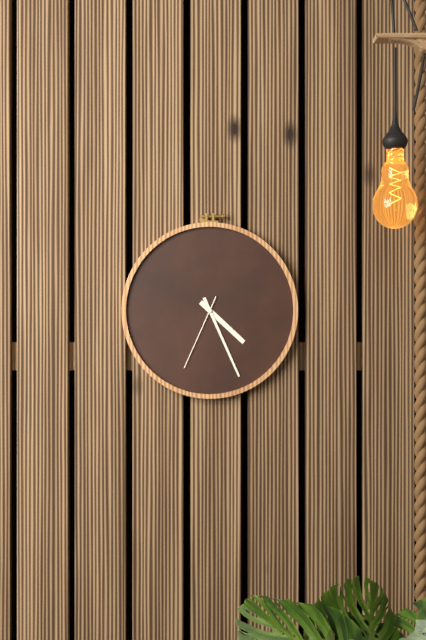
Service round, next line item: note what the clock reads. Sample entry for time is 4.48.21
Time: 4.26.34
